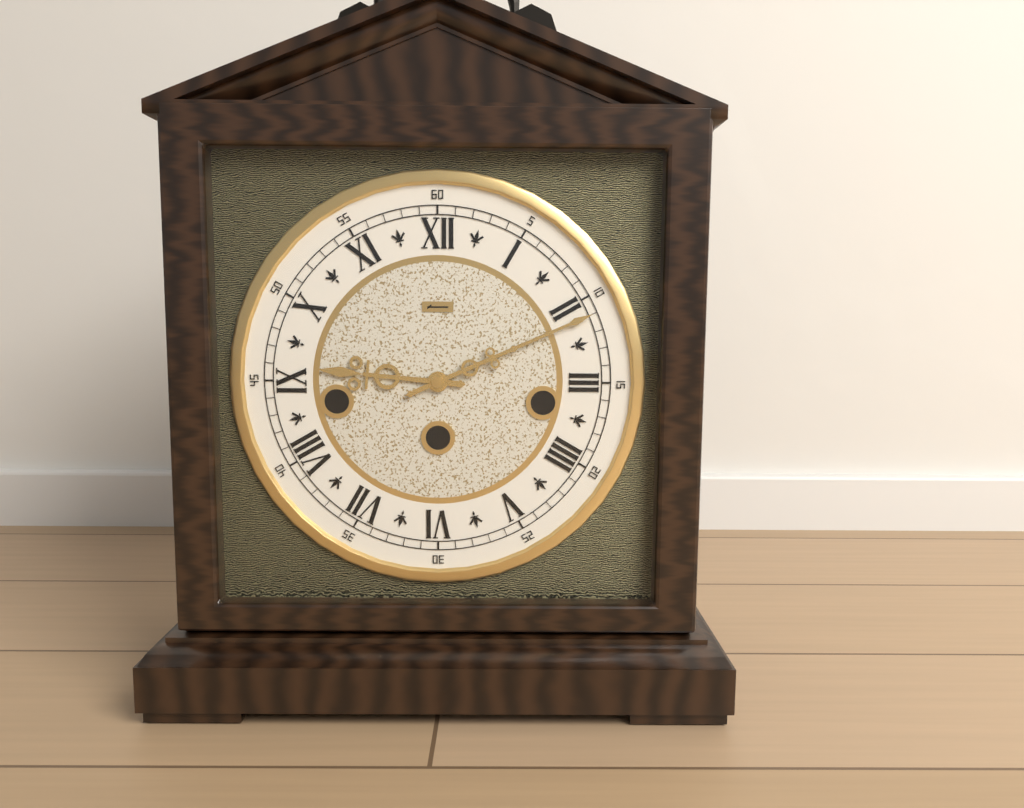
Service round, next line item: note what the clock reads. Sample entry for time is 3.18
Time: 9.11
